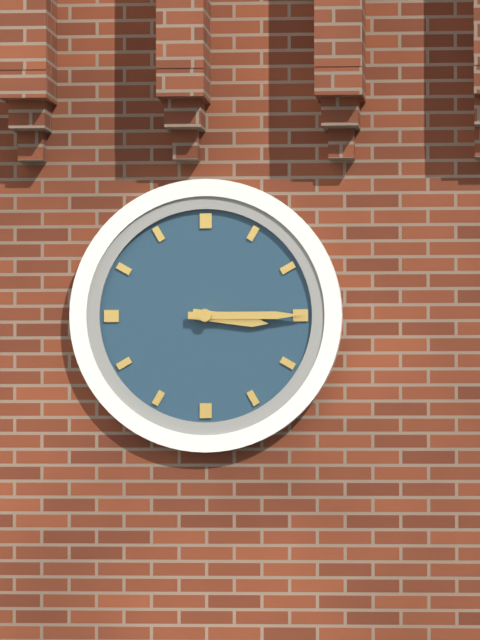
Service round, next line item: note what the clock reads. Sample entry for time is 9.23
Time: 3.15
